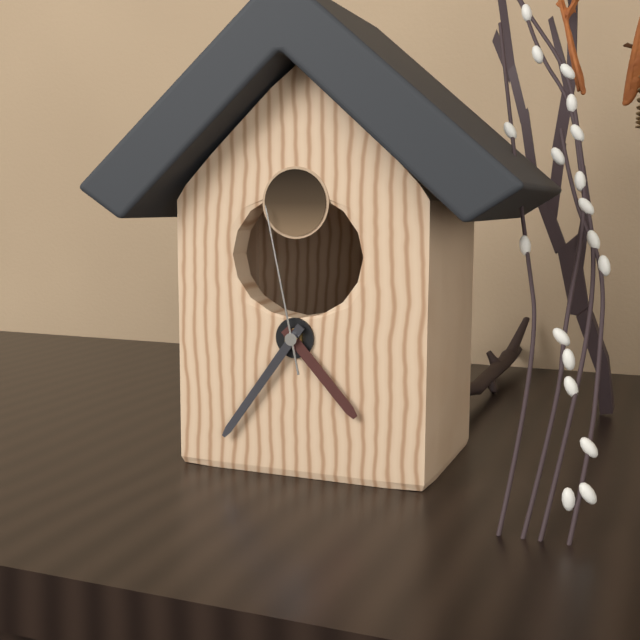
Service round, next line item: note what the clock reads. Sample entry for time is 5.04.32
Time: 4.36.58
